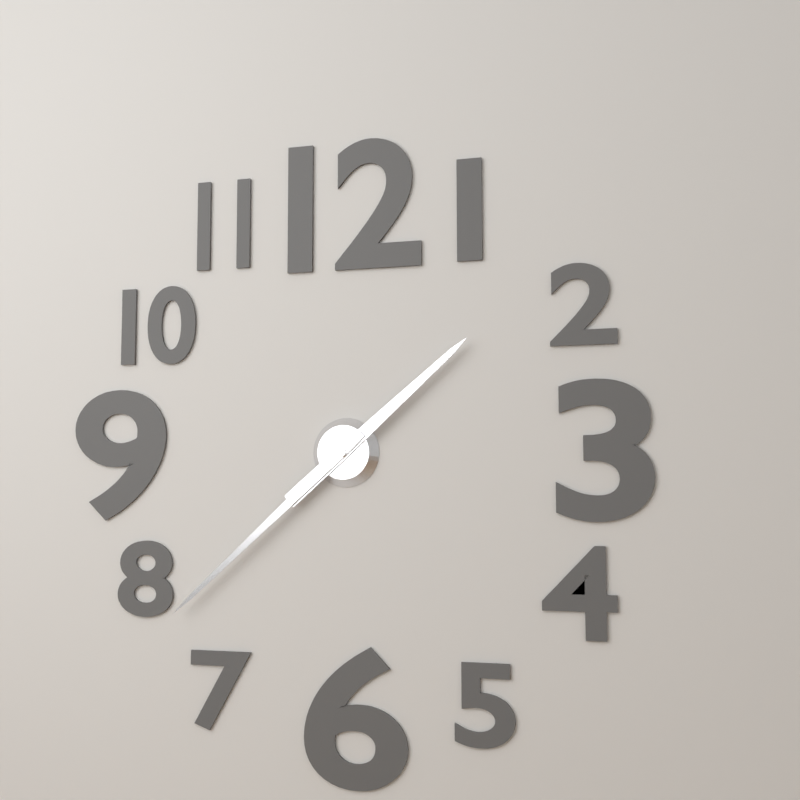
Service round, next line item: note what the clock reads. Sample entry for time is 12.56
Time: 1.38
